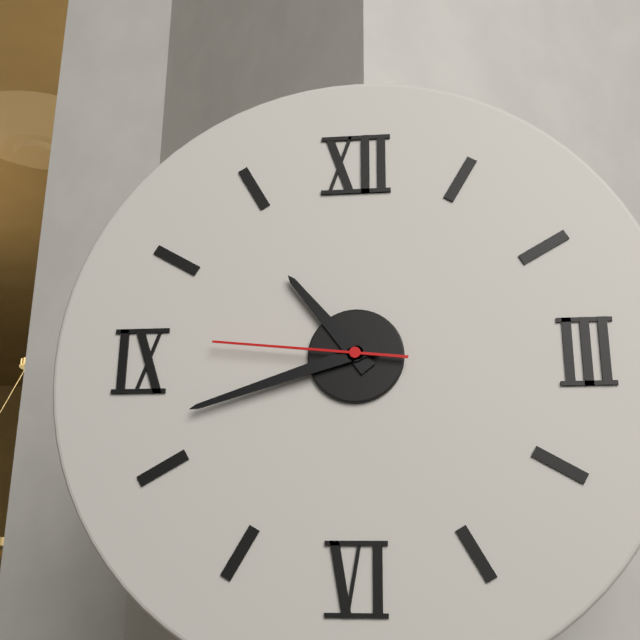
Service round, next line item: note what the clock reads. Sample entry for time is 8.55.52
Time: 10.42.46
